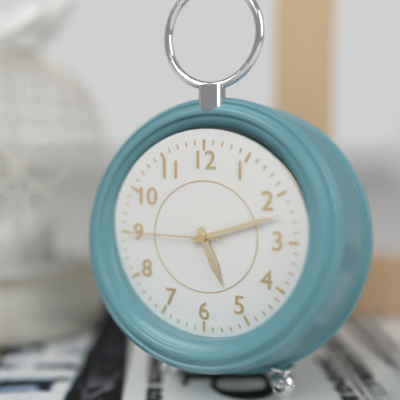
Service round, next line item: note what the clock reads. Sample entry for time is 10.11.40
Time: 5.12.45
